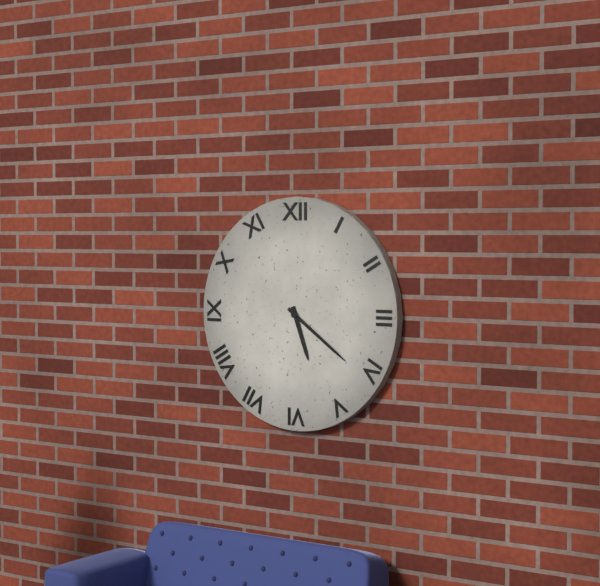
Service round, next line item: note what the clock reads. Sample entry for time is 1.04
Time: 5.21
